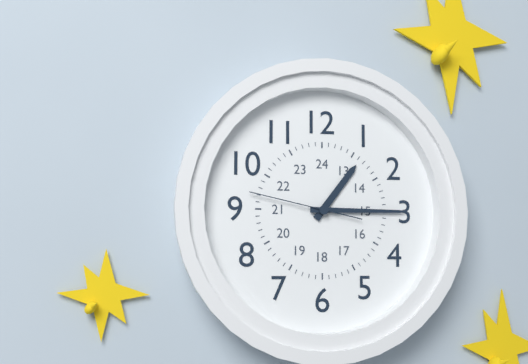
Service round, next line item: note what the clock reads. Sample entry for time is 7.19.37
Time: 1.15.47
